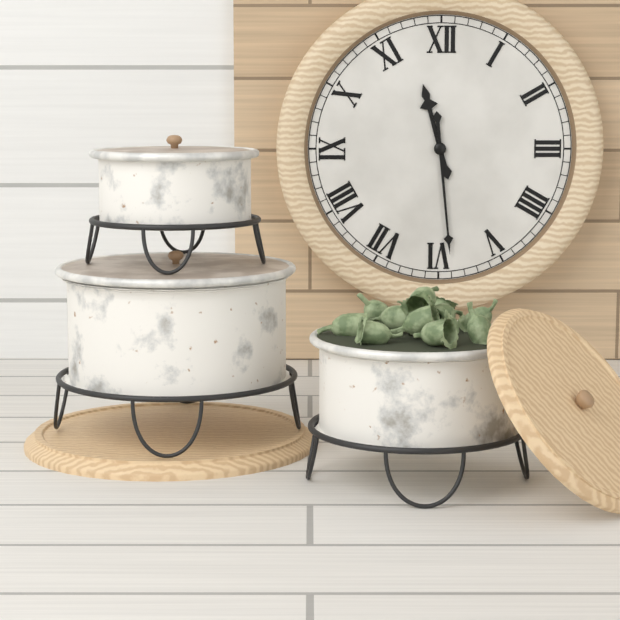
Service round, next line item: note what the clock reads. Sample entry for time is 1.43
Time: 11.29
